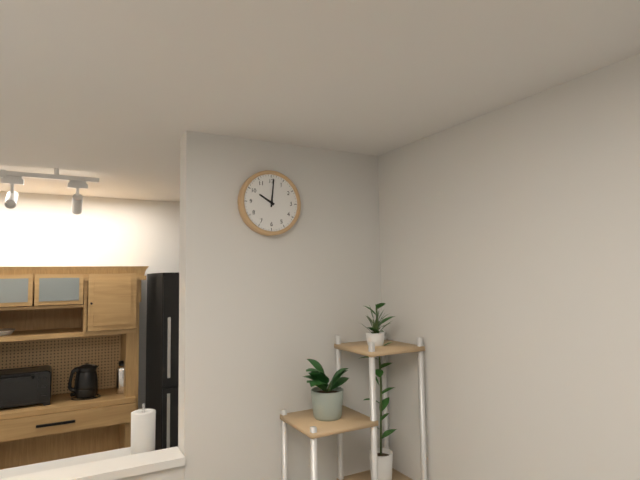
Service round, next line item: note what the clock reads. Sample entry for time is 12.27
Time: 10.01
